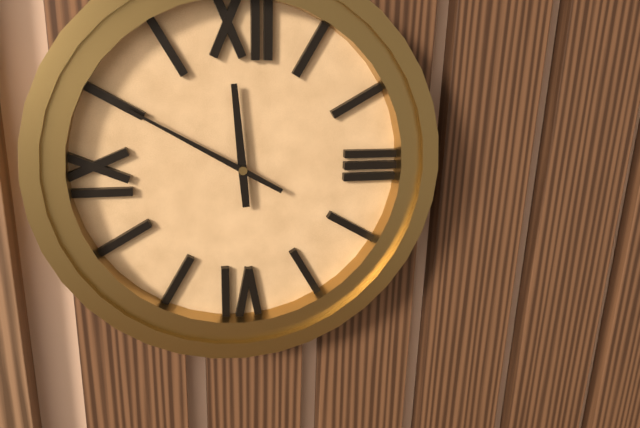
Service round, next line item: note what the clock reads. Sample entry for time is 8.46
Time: 11.50
